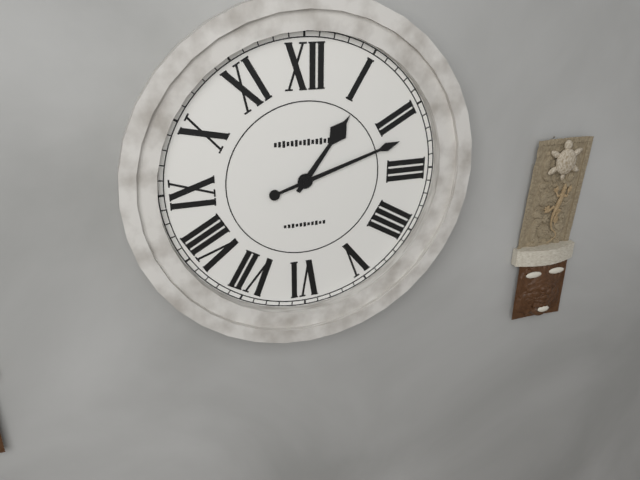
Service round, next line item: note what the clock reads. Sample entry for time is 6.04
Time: 1.12
